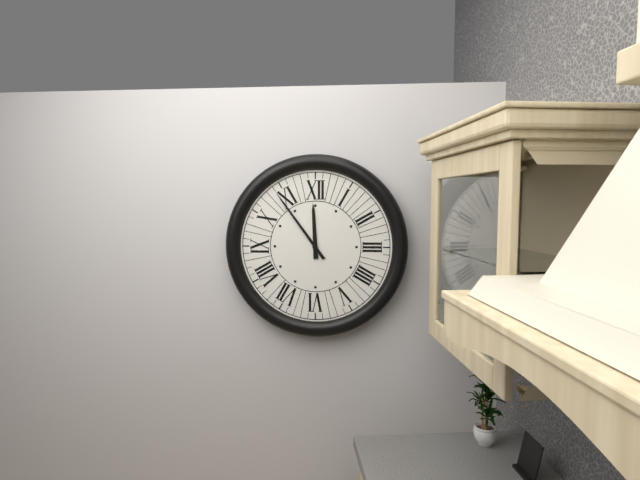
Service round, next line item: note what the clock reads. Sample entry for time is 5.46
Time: 11.54
